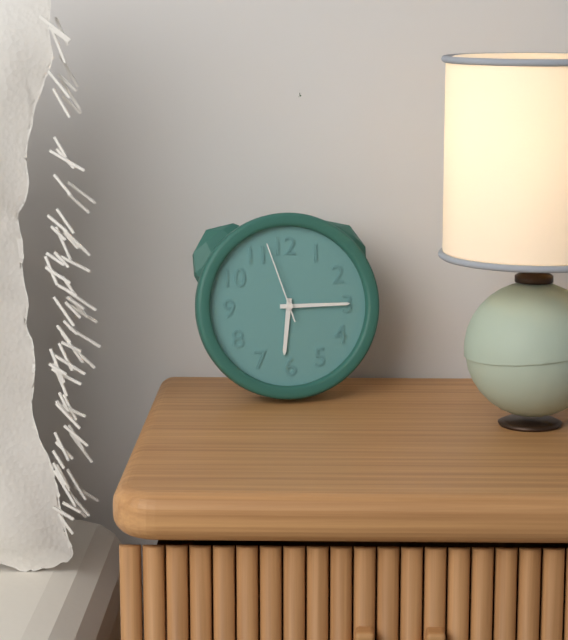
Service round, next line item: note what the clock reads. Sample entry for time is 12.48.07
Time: 6.15.57
